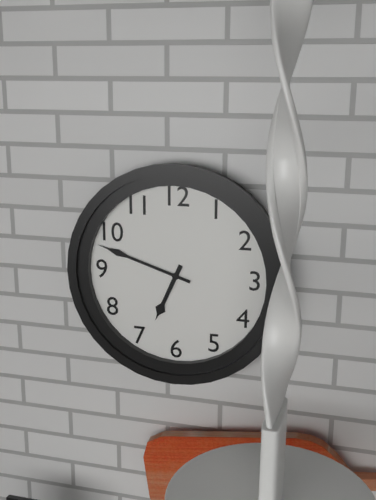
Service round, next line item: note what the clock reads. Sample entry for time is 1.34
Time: 6.48
